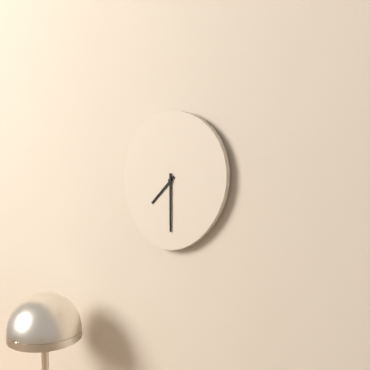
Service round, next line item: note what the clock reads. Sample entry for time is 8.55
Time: 7.30
